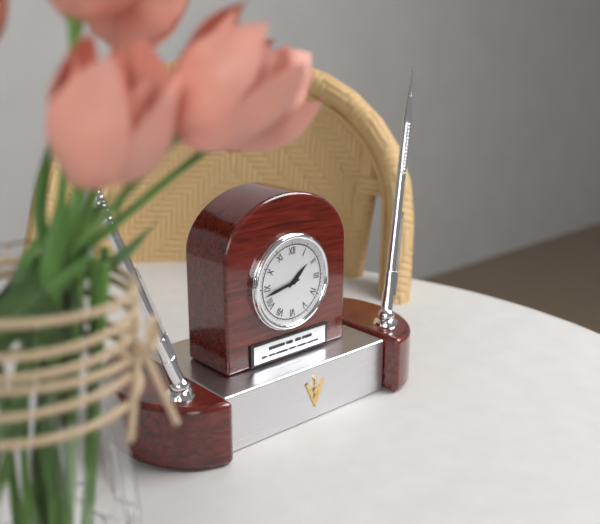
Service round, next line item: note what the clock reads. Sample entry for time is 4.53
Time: 1.43
